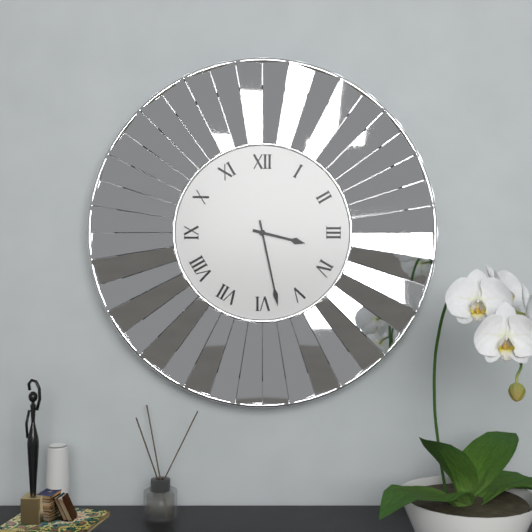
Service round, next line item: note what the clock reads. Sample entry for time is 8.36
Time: 3.28
